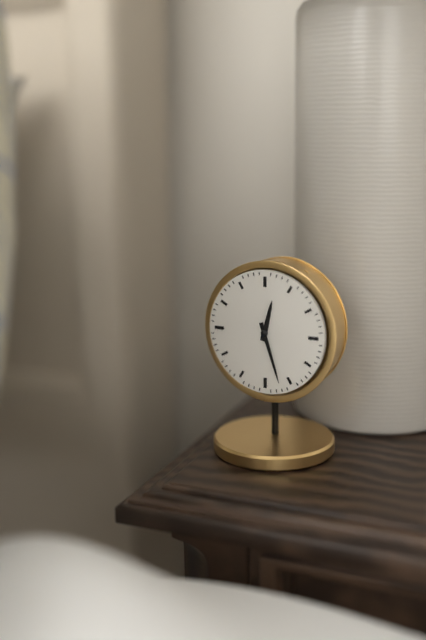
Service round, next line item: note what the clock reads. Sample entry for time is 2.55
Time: 12.27
